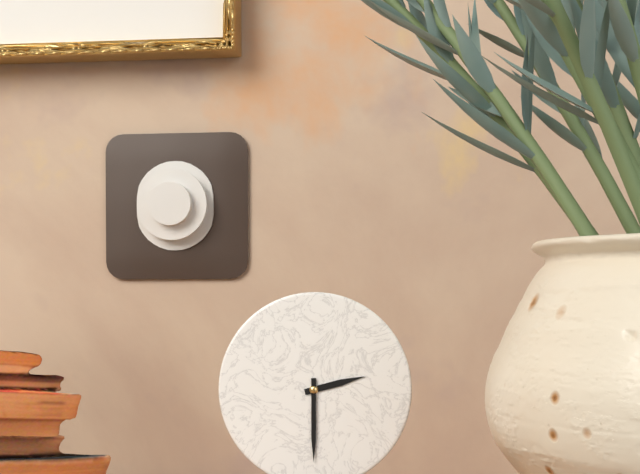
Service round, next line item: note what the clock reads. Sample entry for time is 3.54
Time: 2.30
